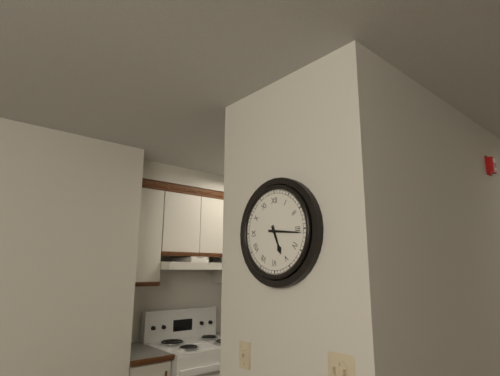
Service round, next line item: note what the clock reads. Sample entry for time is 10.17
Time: 5.16
